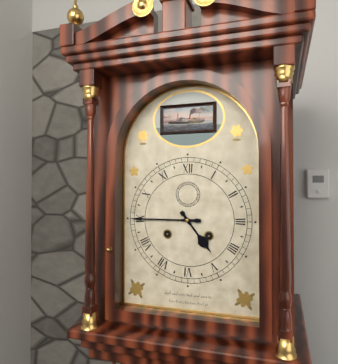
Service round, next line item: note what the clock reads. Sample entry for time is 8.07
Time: 4.45
